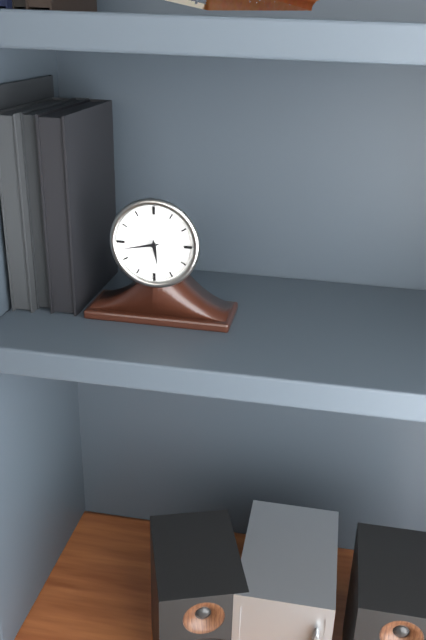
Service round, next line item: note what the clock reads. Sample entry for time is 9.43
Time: 5.43
